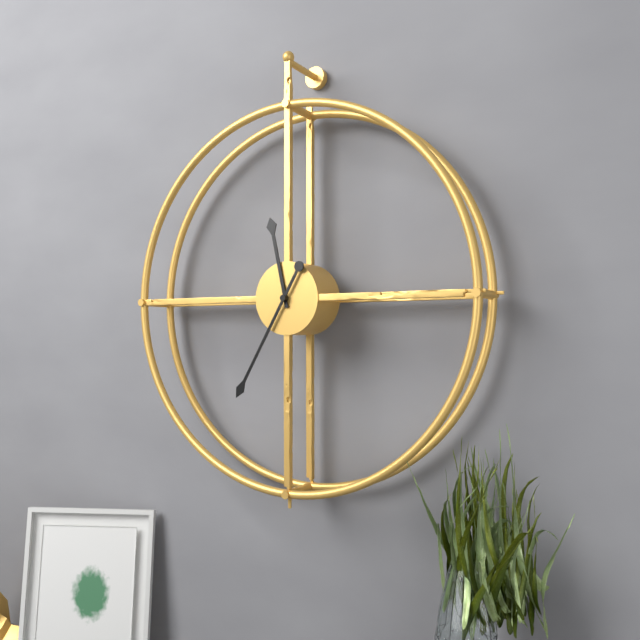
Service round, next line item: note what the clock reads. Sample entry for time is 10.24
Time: 11.35
